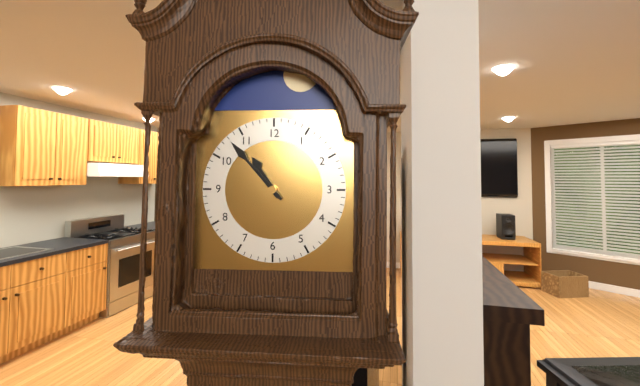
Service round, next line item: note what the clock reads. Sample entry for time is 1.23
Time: 10.53
